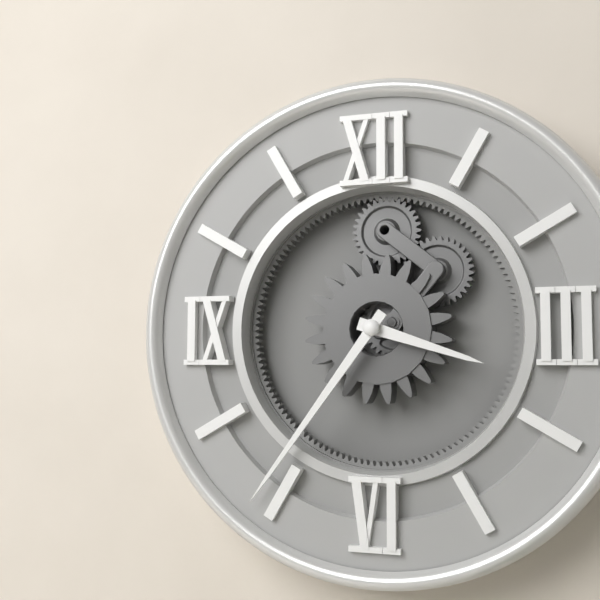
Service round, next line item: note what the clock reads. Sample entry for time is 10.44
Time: 3.36
